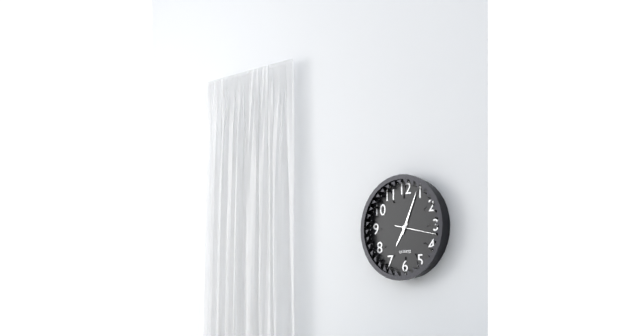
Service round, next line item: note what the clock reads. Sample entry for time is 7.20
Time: 7.04
